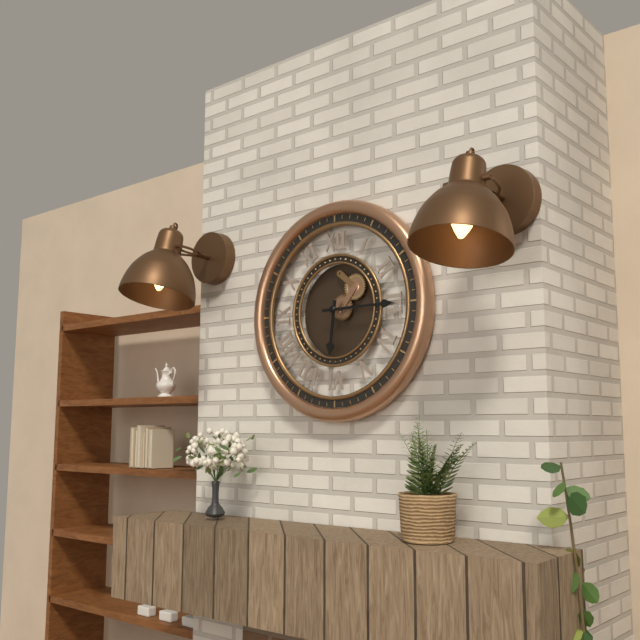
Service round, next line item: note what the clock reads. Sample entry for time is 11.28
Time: 6.15
